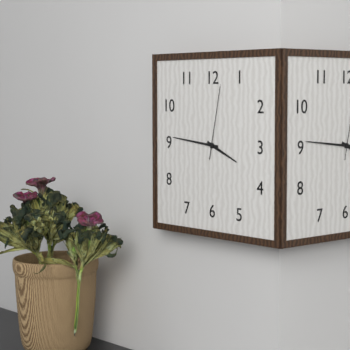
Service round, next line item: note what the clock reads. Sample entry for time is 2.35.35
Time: 3.46.02
